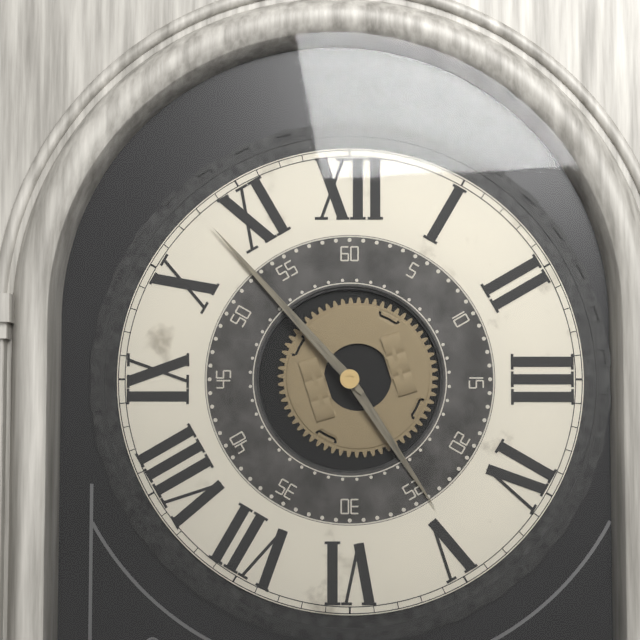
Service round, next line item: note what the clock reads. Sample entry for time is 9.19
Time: 4.53
